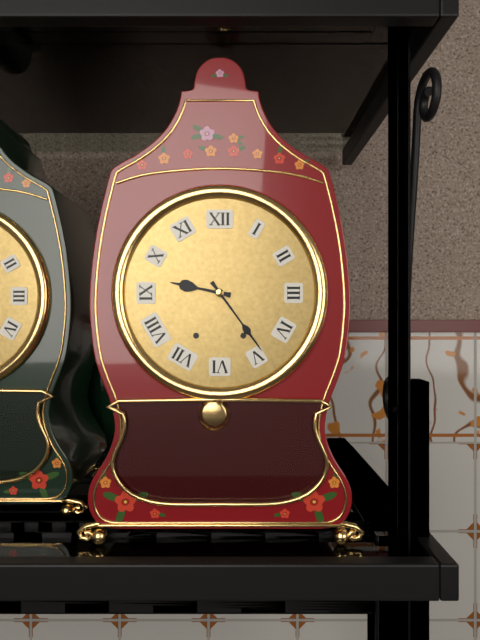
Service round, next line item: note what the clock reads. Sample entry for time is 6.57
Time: 9.24
